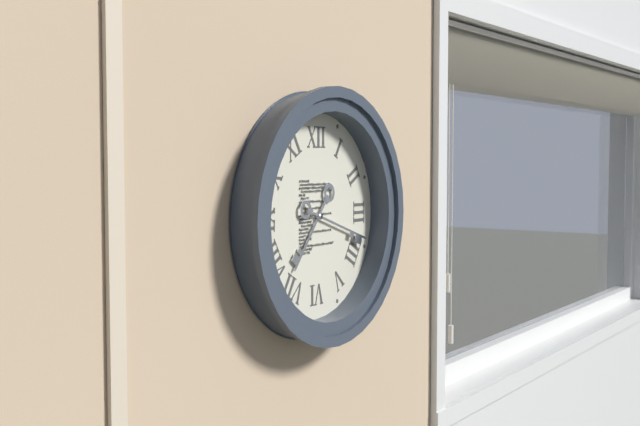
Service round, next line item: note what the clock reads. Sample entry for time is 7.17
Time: 7.18
